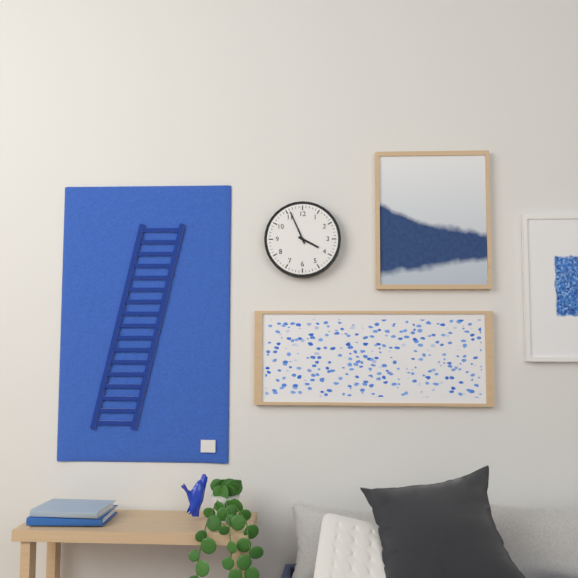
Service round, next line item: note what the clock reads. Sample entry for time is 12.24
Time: 3.56
